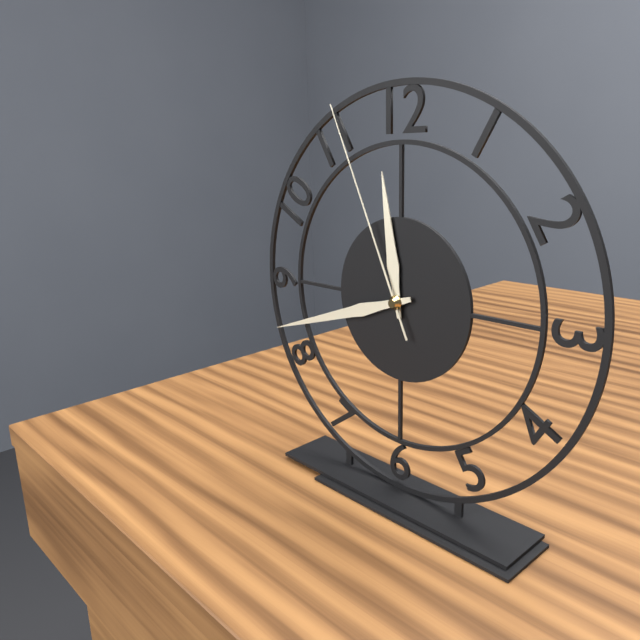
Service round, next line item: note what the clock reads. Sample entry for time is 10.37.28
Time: 11.42.56
